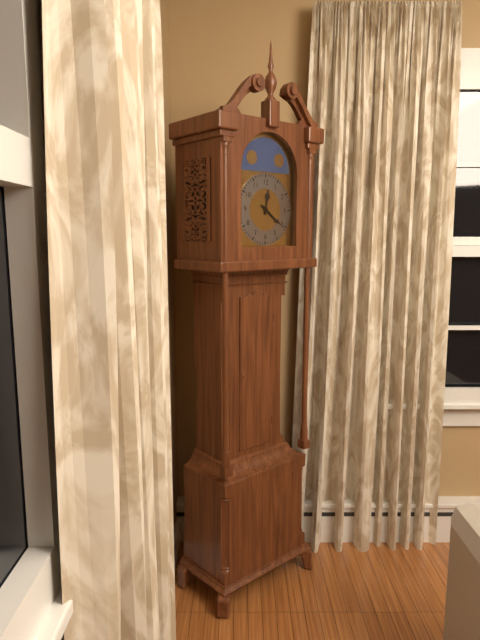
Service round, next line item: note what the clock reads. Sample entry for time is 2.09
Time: 12.21
